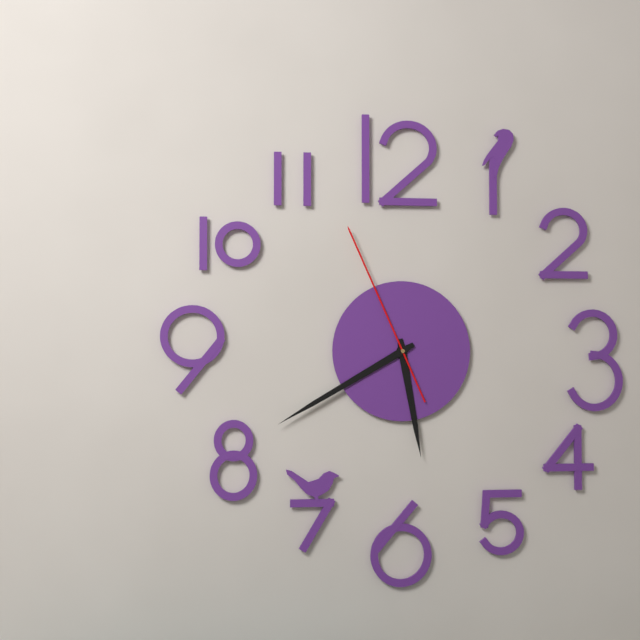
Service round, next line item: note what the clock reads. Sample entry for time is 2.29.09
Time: 5.40.56
